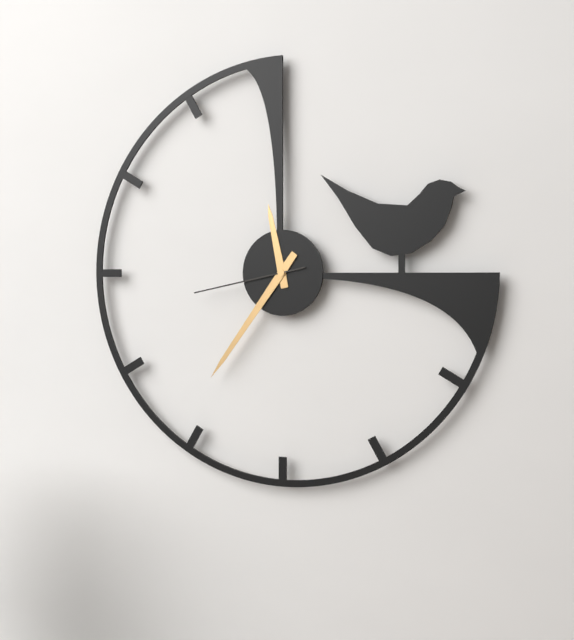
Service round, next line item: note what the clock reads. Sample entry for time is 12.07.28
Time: 11.36.43
